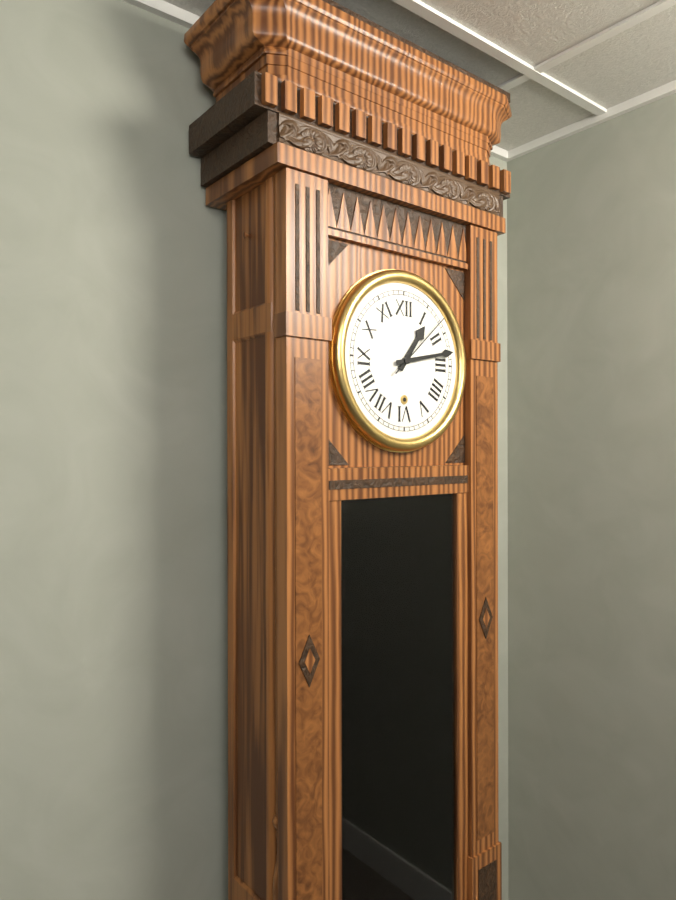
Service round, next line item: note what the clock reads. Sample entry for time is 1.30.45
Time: 1.13.08
